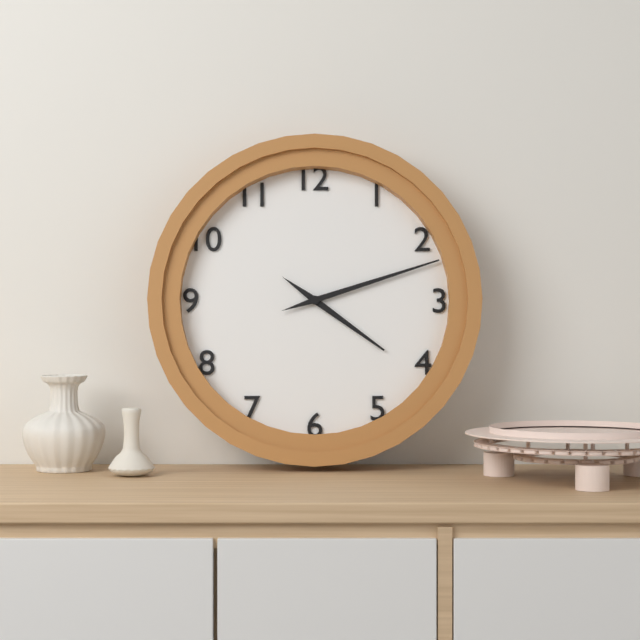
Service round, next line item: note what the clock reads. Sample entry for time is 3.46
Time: 4.12
